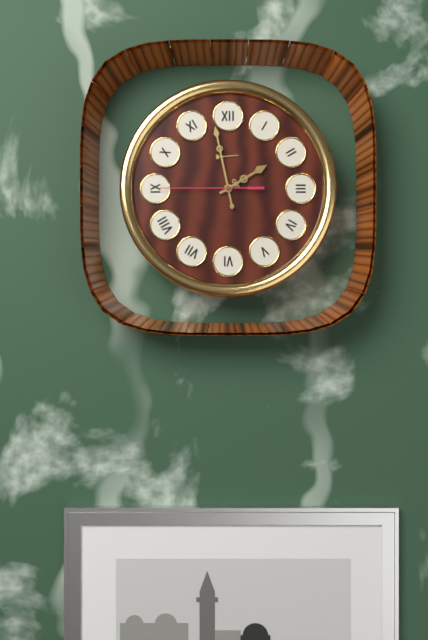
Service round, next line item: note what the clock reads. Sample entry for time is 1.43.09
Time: 1.58.45
